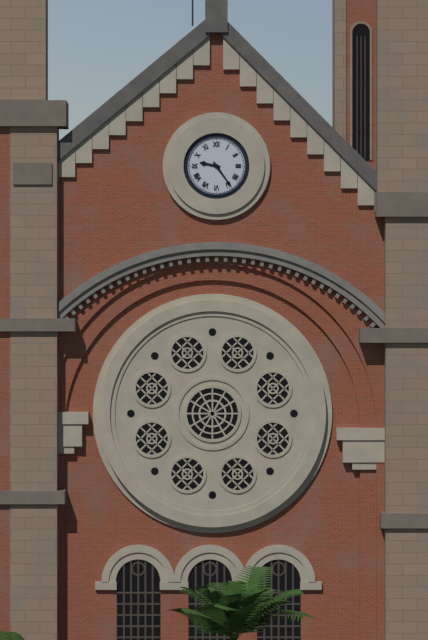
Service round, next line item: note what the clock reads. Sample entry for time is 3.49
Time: 9.24
